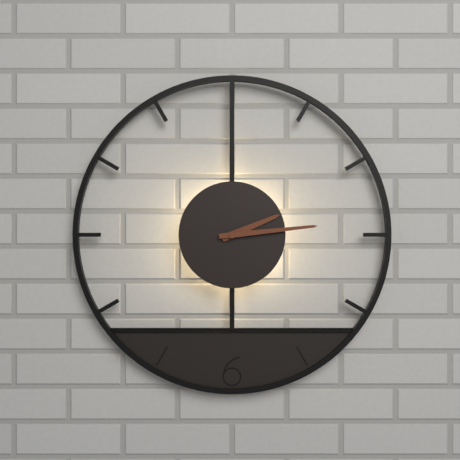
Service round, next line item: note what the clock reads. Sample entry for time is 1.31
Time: 2.14
